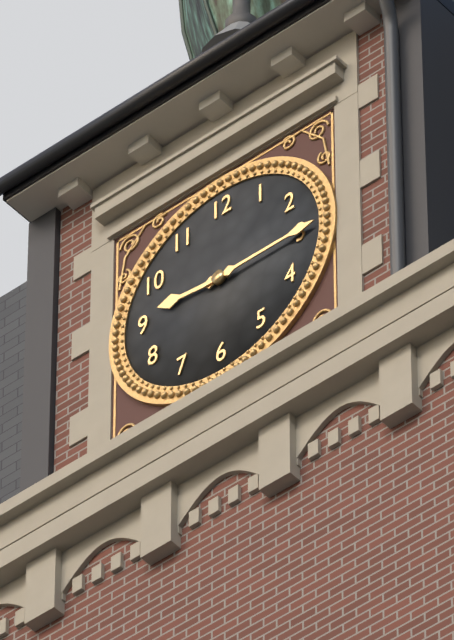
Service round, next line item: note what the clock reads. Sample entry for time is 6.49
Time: 9.15
